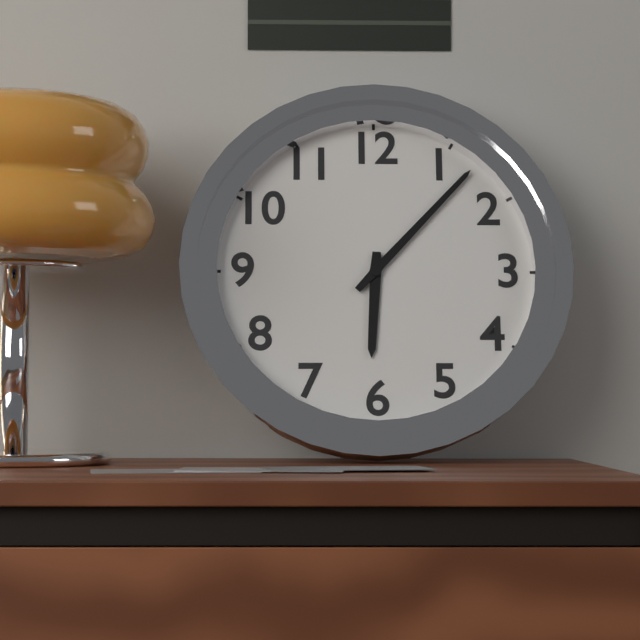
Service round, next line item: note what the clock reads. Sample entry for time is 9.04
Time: 6.07
